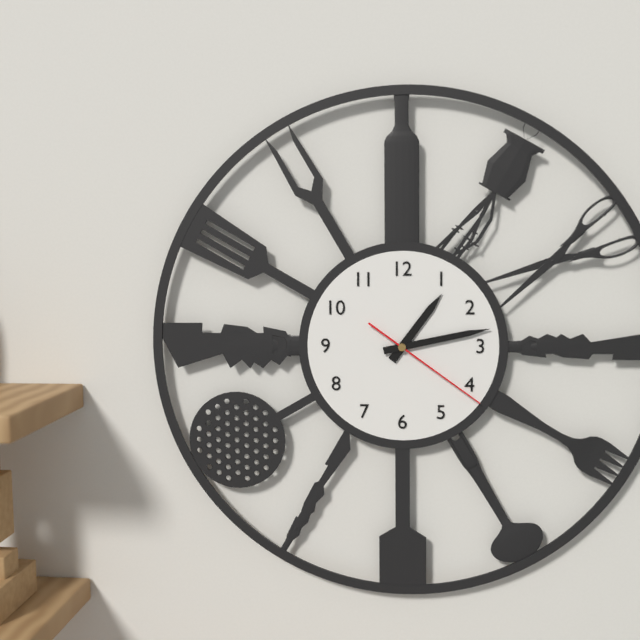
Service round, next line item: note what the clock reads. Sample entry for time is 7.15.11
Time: 1.13.21
